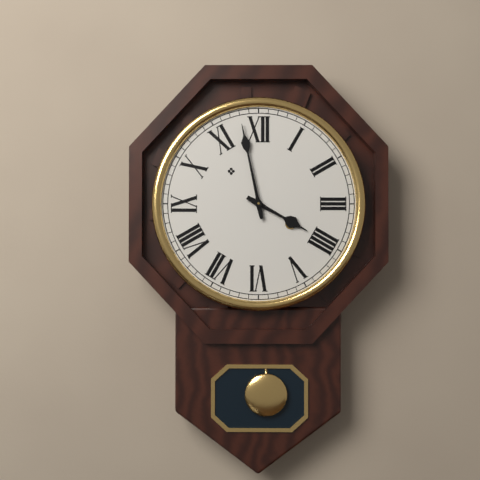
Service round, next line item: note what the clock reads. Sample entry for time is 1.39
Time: 3.58
